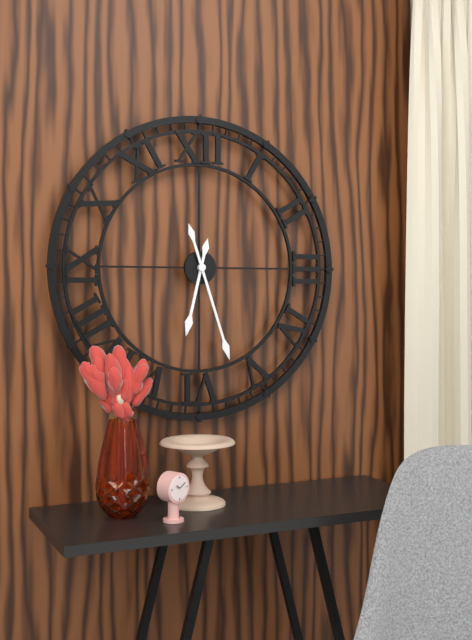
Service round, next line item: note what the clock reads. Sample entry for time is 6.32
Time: 6.27
